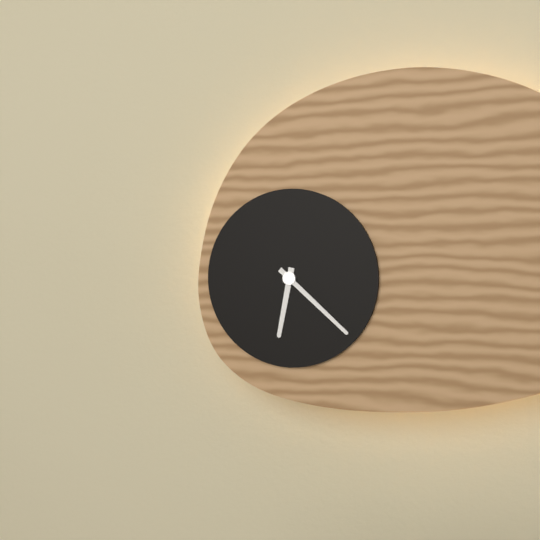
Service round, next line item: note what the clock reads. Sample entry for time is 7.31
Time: 6.22
